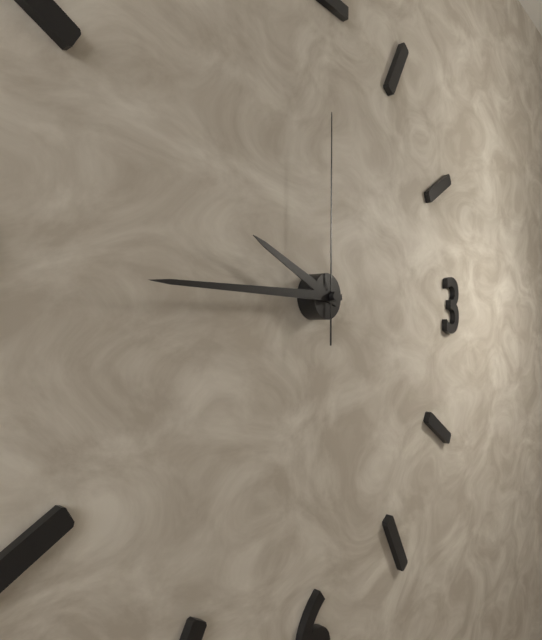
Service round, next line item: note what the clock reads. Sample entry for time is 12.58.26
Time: 9.45.00
